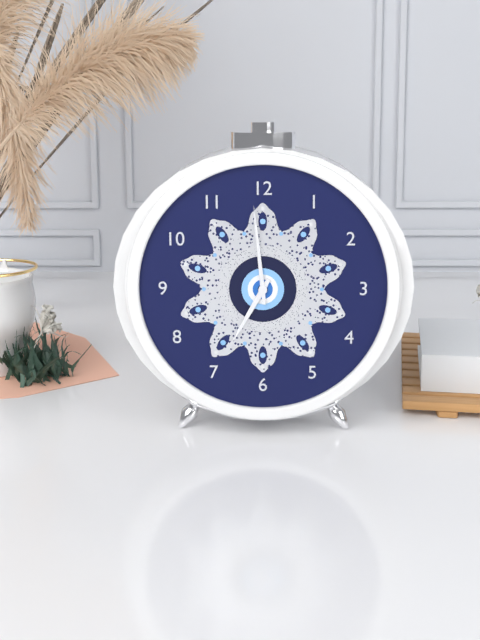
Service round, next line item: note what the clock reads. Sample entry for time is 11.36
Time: 6.59
